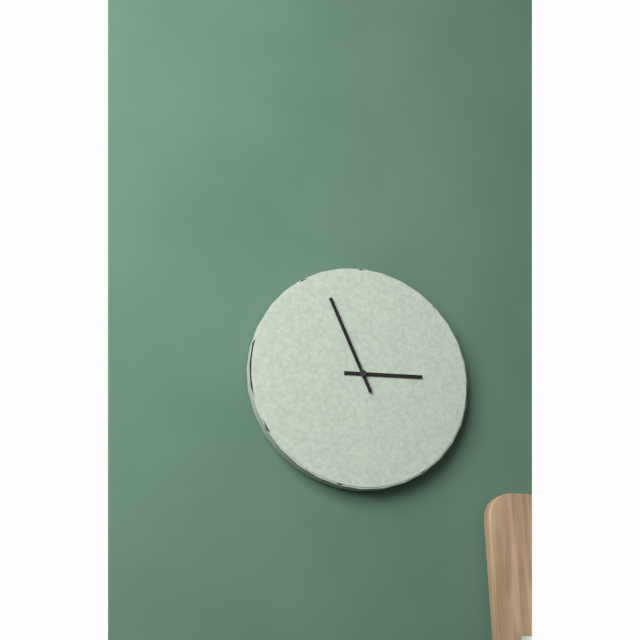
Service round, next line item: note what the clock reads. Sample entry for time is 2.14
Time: 2.56
